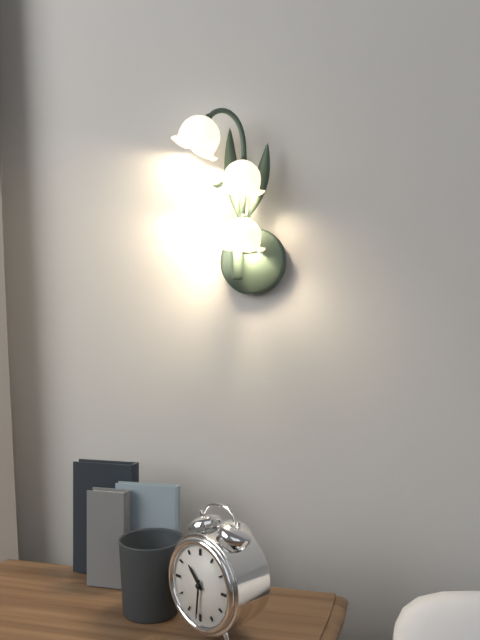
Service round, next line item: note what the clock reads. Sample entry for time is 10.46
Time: 10.31
